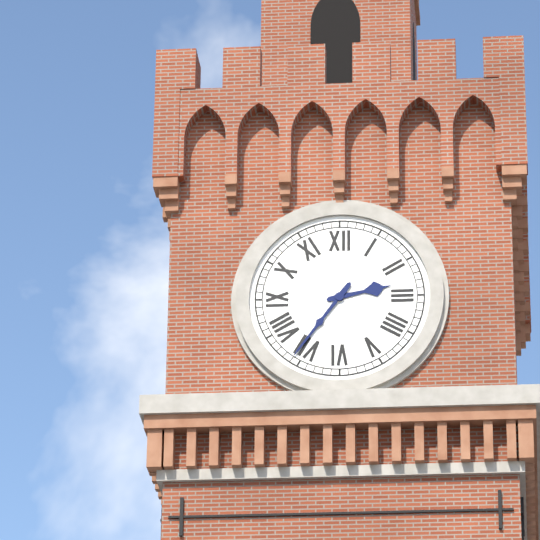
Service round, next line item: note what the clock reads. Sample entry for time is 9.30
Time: 2.36
